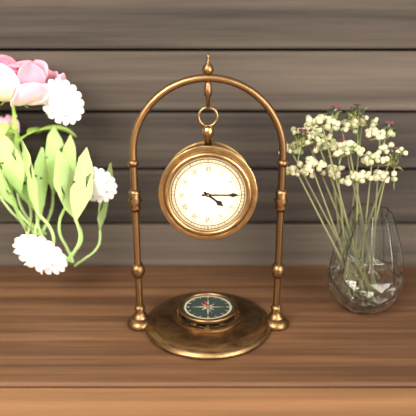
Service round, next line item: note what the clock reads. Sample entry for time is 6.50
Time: 4.15
